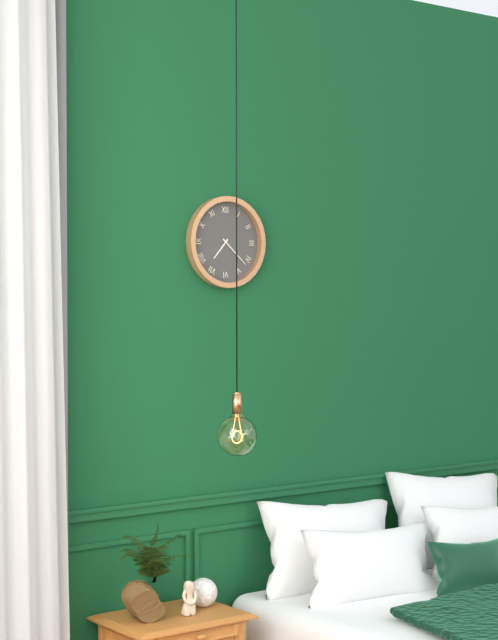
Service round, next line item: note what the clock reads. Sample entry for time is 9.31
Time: 7.22
